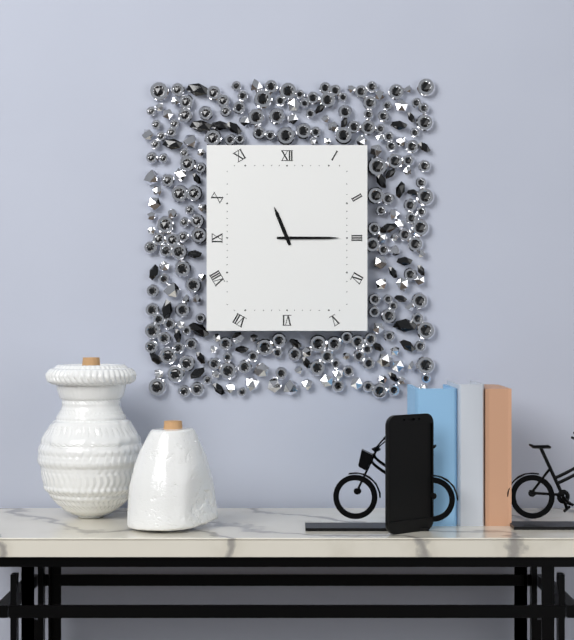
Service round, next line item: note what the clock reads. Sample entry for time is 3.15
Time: 11.15
